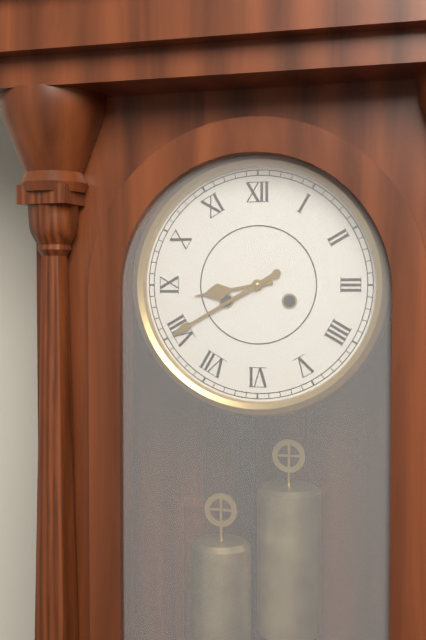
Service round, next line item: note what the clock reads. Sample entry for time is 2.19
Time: 8.40
